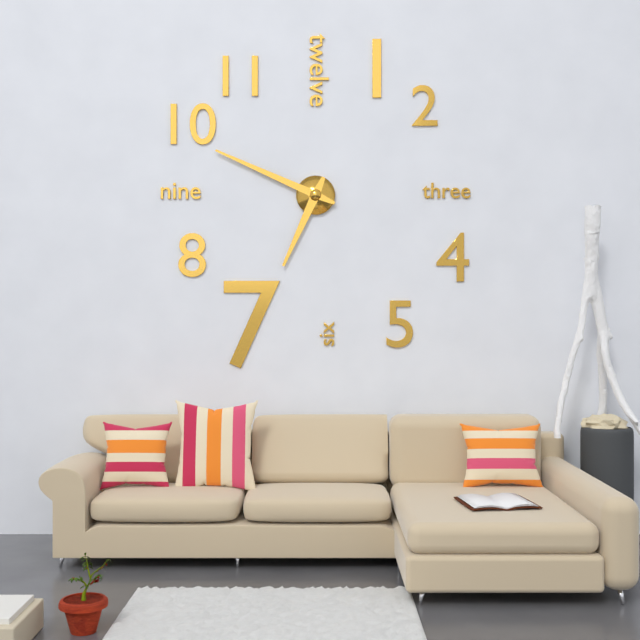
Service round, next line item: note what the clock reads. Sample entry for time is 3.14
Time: 6.49
